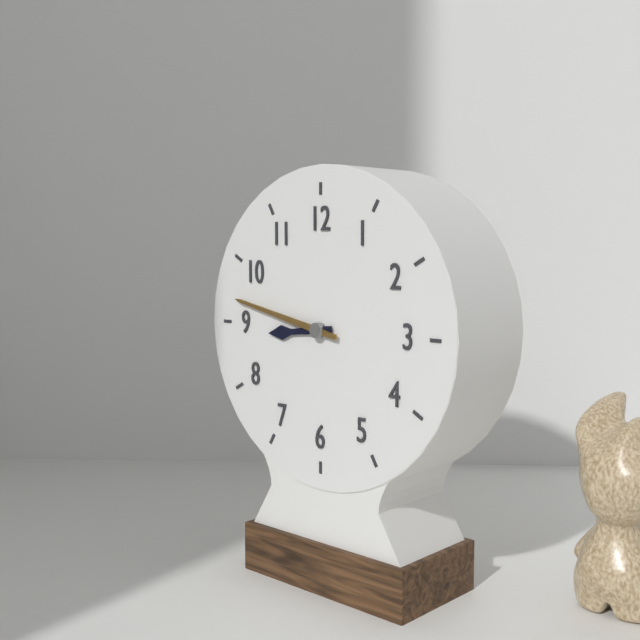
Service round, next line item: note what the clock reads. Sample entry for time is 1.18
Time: 8.47
